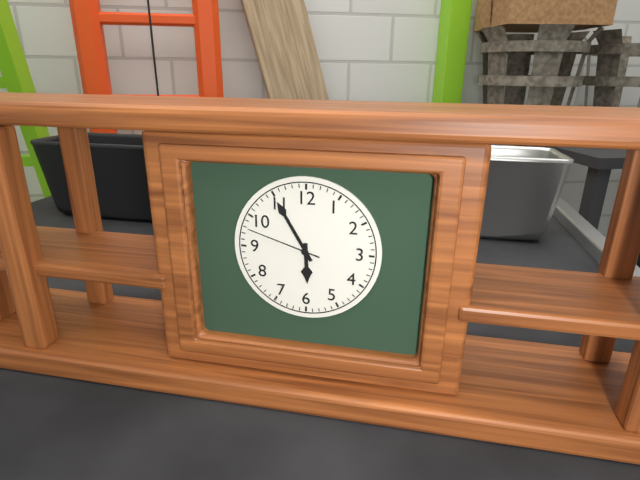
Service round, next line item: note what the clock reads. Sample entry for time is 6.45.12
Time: 5.55.48
